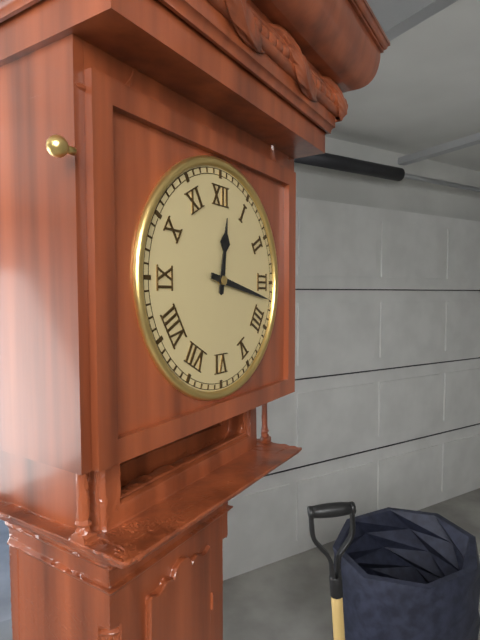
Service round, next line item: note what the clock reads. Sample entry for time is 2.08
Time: 12.17
